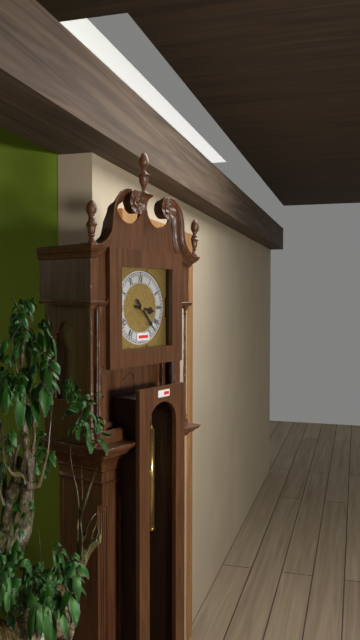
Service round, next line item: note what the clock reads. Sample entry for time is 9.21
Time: 3.23
